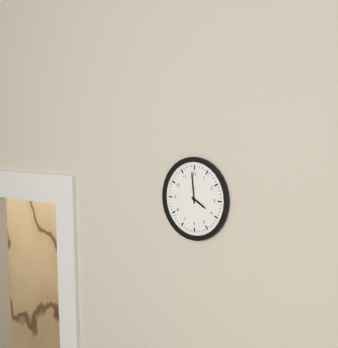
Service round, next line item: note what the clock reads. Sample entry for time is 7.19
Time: 3.59
